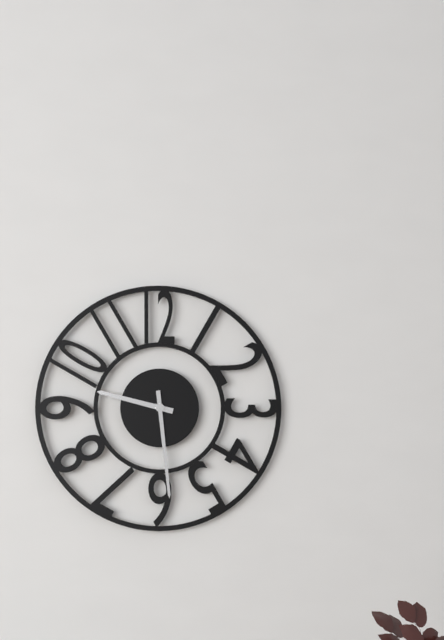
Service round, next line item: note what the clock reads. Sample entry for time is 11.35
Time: 9.29
